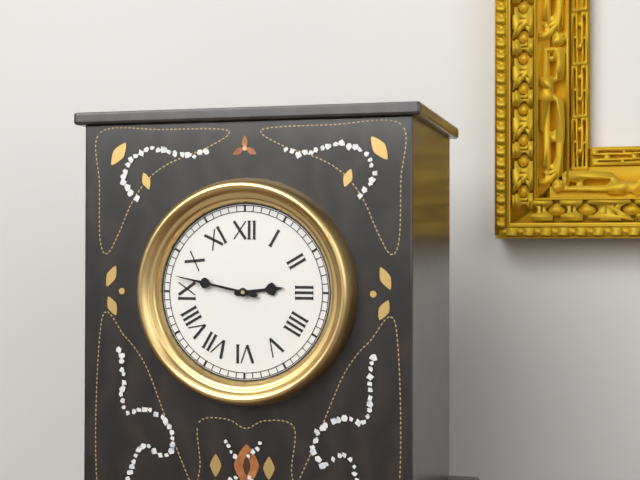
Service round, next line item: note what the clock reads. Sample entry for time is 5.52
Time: 2.47
